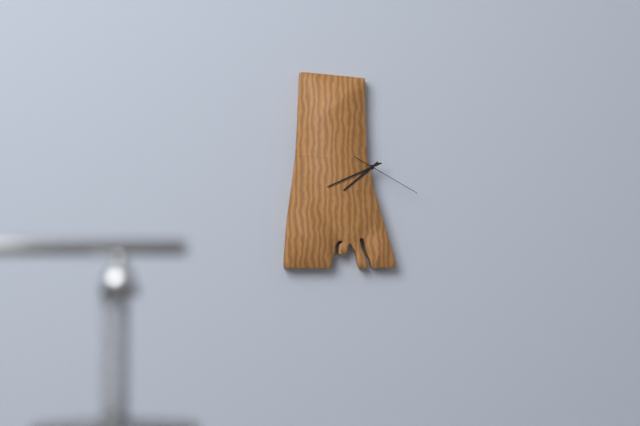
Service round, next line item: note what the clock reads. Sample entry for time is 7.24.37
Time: 7.41.20
